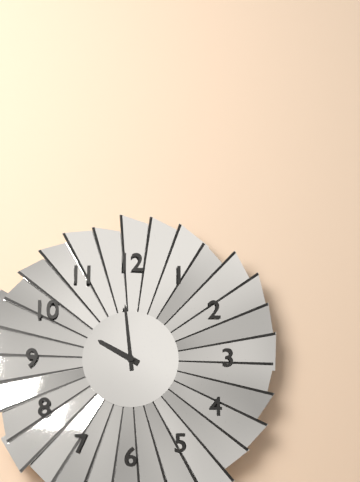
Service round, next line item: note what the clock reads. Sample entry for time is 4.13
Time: 9.59
